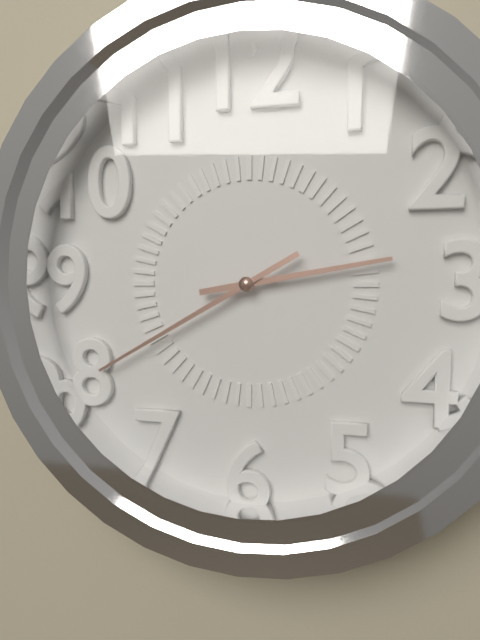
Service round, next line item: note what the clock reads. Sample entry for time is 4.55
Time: 2.40
